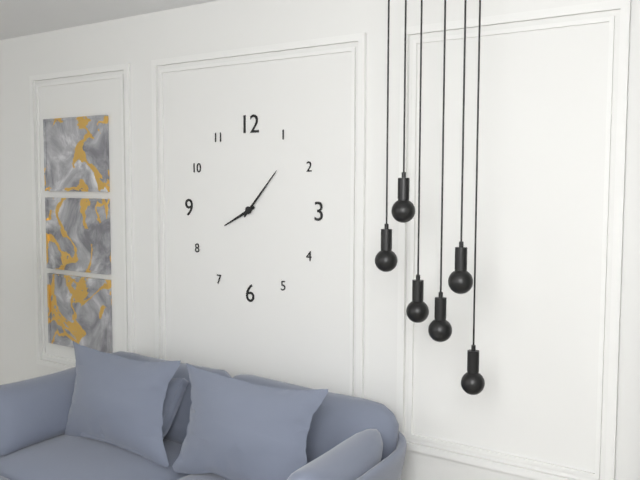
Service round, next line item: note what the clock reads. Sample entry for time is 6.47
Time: 8.07
